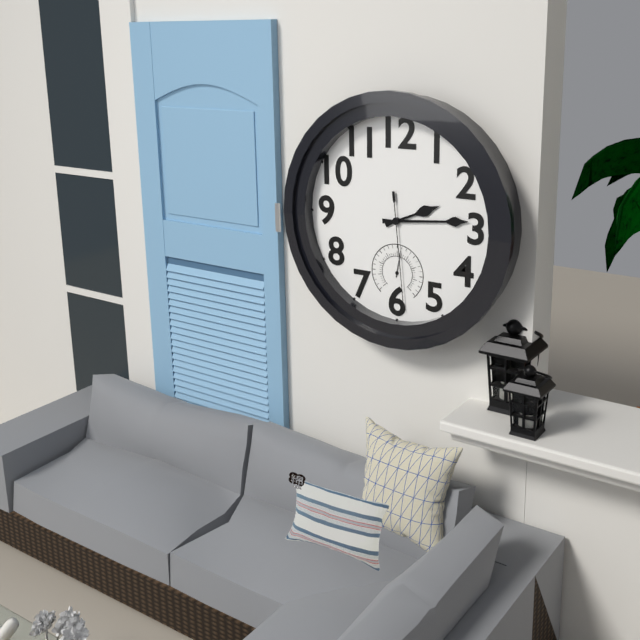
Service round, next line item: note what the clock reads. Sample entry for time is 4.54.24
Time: 2.14.29
